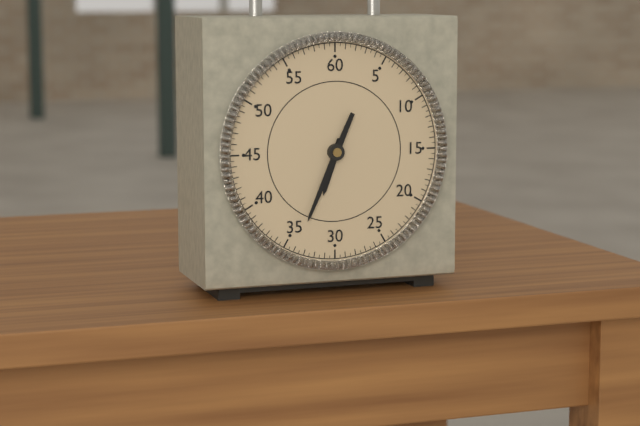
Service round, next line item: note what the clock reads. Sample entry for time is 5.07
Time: 6.34
